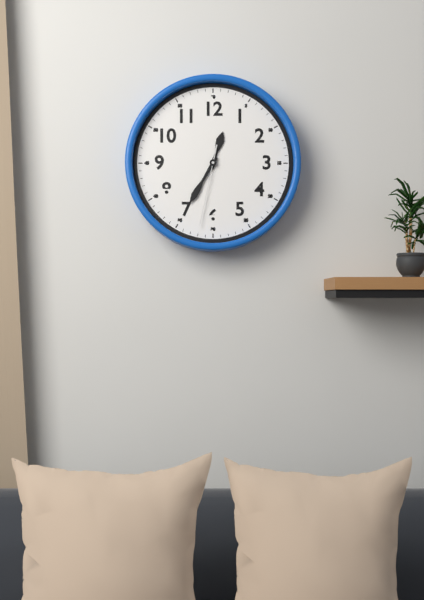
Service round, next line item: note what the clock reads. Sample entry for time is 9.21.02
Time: 12.35.32
